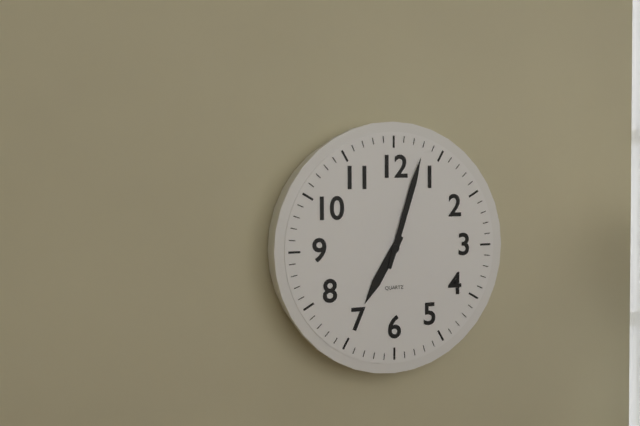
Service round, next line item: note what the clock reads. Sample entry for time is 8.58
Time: 7.03
